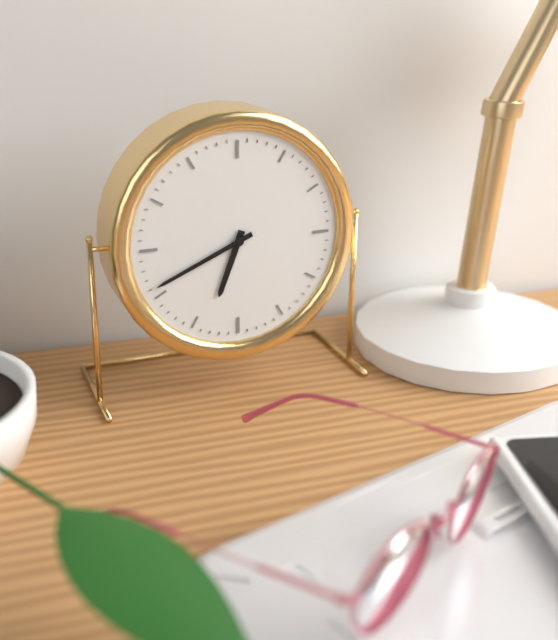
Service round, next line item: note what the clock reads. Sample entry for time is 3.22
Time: 6.41
